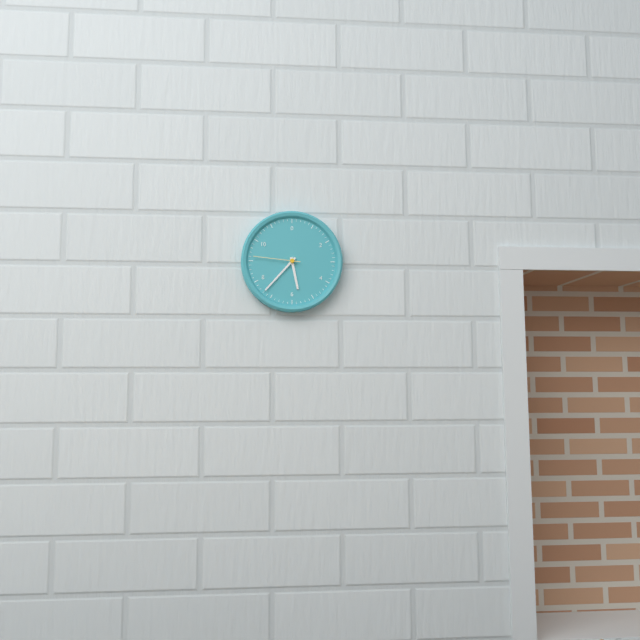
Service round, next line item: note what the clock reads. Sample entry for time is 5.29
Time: 5.37
